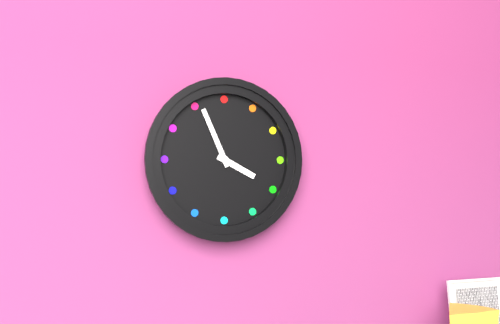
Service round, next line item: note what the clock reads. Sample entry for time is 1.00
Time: 3.56
